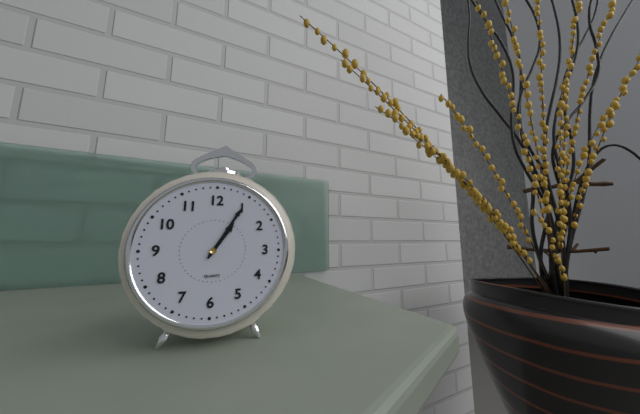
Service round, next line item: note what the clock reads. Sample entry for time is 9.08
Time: 1.05
